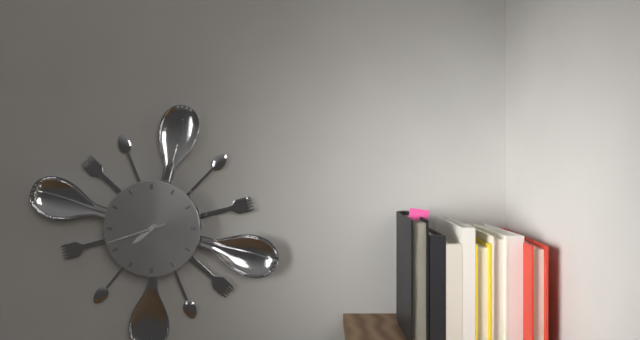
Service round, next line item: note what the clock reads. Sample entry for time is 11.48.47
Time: 7.42.42
